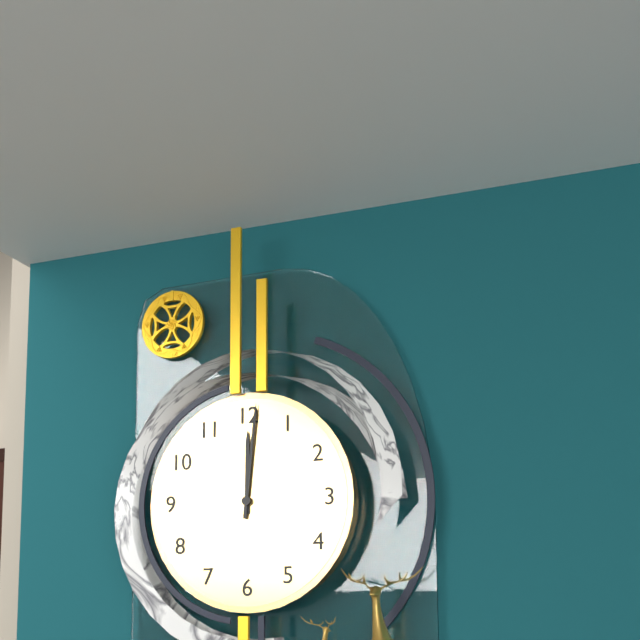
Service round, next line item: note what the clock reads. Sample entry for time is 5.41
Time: 12.01
